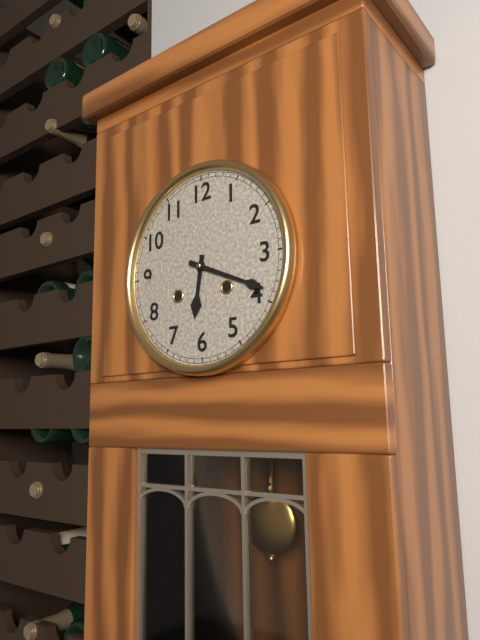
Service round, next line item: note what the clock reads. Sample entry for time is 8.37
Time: 6.19
